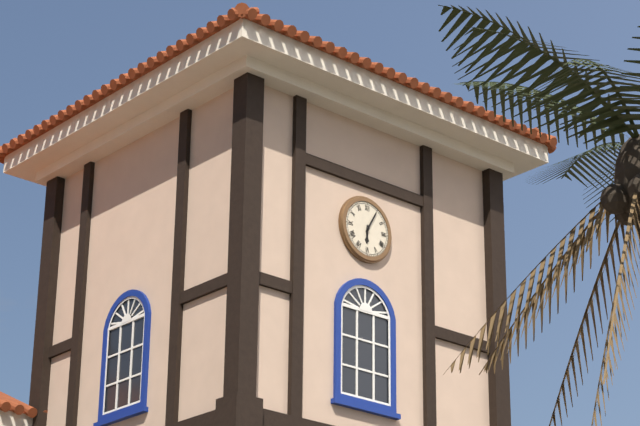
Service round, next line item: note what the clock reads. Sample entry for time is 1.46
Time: 6.05
